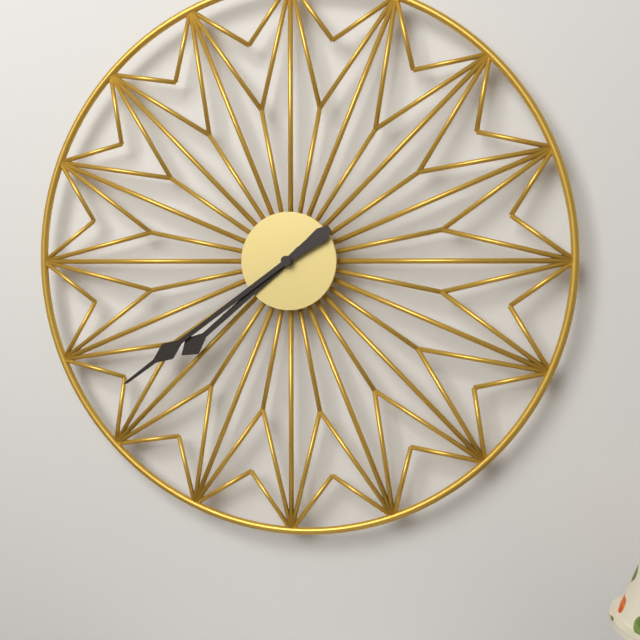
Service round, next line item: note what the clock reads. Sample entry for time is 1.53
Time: 7.39
